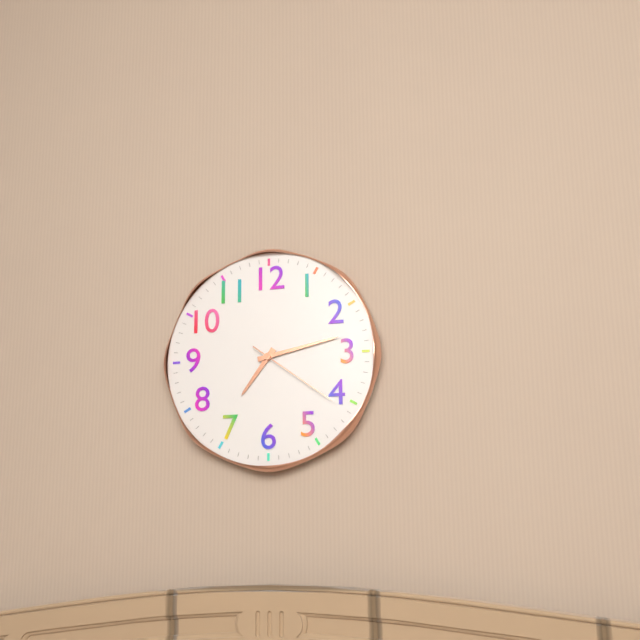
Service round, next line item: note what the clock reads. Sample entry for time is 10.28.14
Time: 7.13.21
